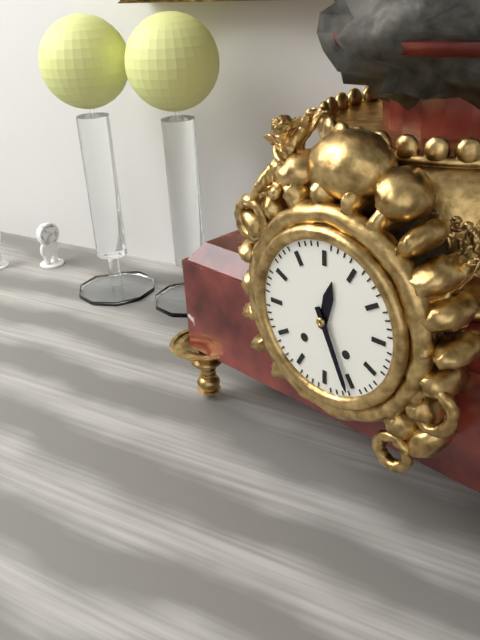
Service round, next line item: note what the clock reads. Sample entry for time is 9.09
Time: 12.26
